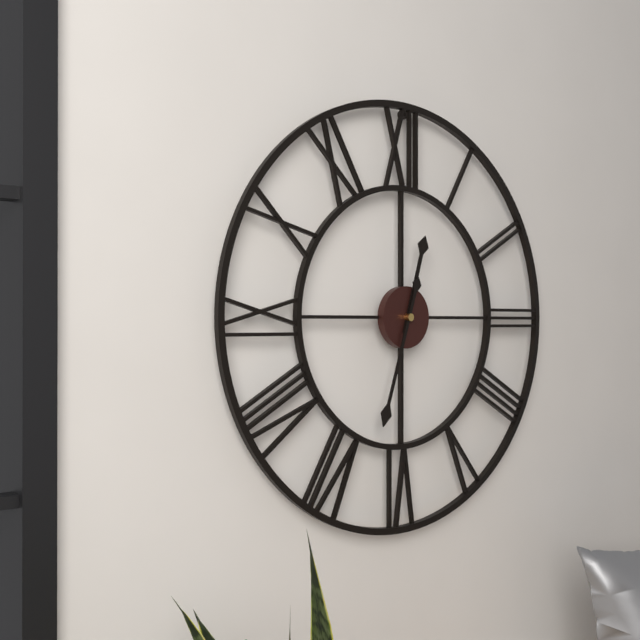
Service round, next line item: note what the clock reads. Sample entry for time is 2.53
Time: 12.33
